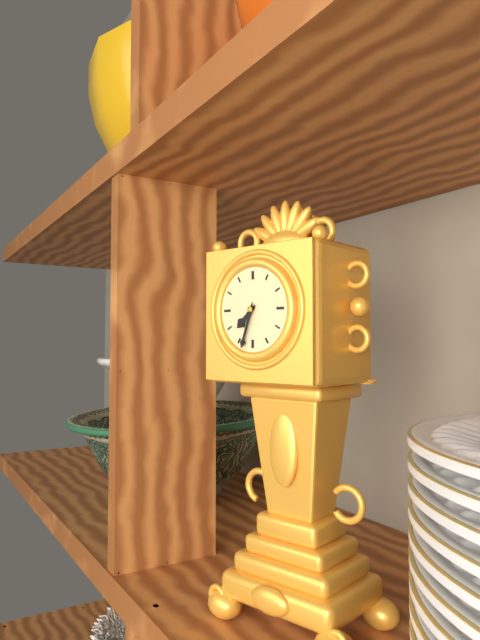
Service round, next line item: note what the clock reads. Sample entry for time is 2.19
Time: 7.33
